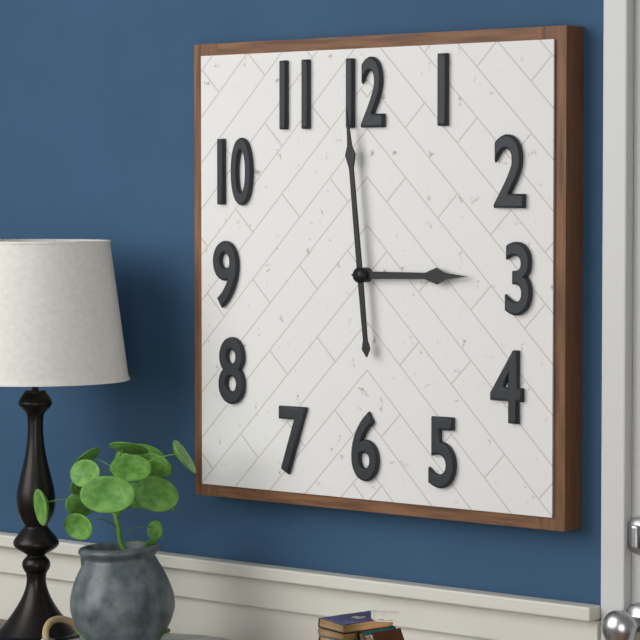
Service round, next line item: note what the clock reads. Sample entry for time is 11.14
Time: 2.59
